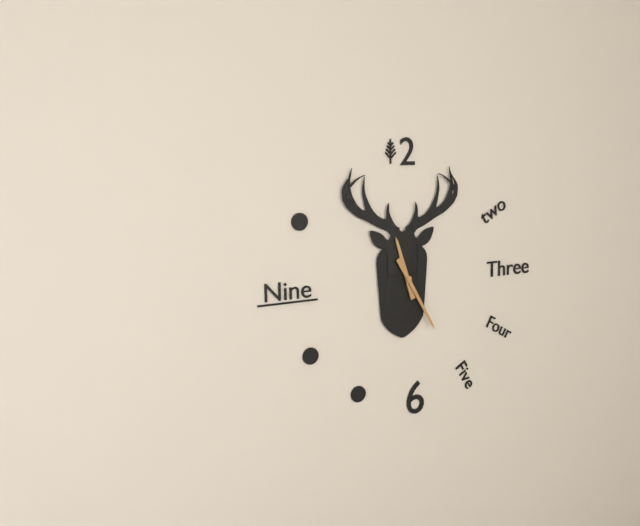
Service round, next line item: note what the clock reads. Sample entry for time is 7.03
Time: 11.25
